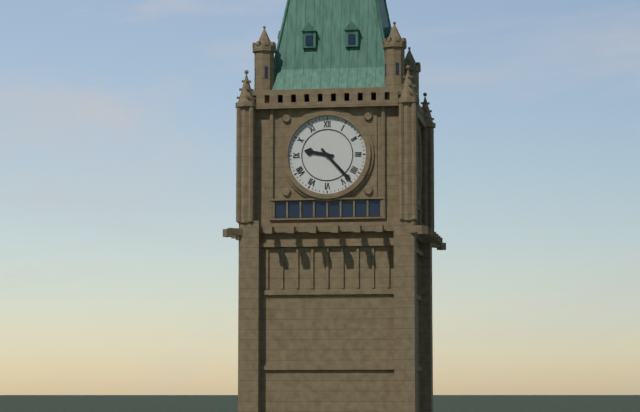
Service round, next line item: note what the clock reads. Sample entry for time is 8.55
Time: 9.23
